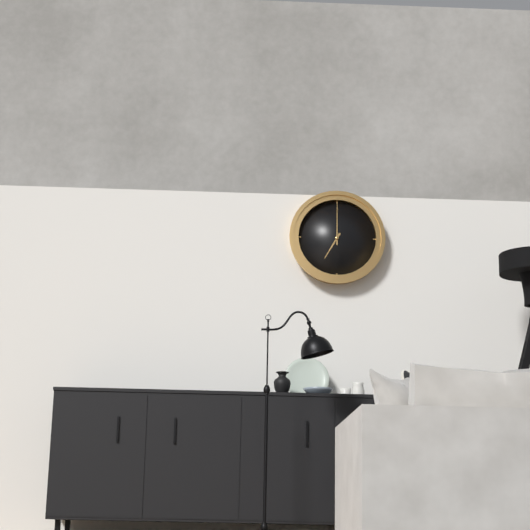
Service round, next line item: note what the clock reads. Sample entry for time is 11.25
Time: 7.00
